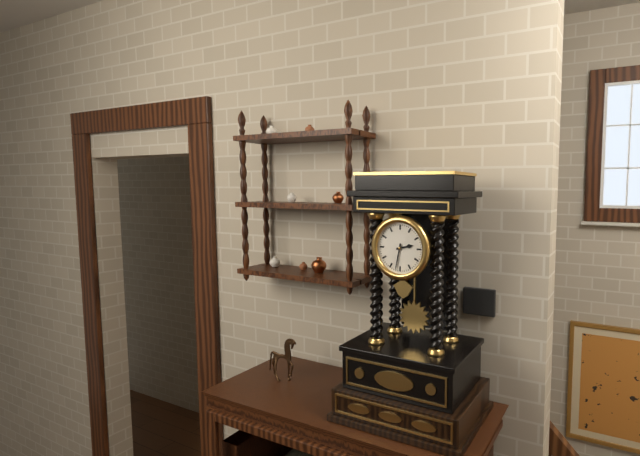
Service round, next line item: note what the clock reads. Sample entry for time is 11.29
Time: 2.32
